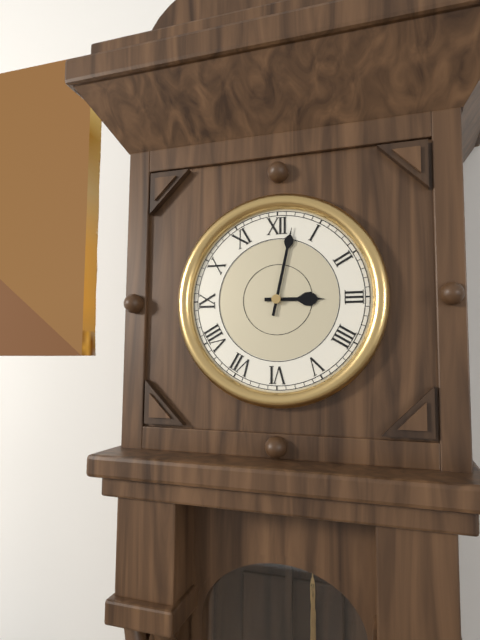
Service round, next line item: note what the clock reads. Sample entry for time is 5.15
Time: 3.02
